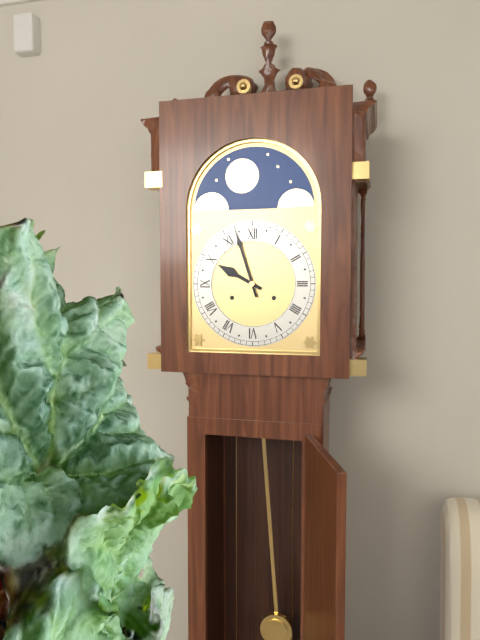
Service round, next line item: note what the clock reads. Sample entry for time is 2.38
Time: 9.57
